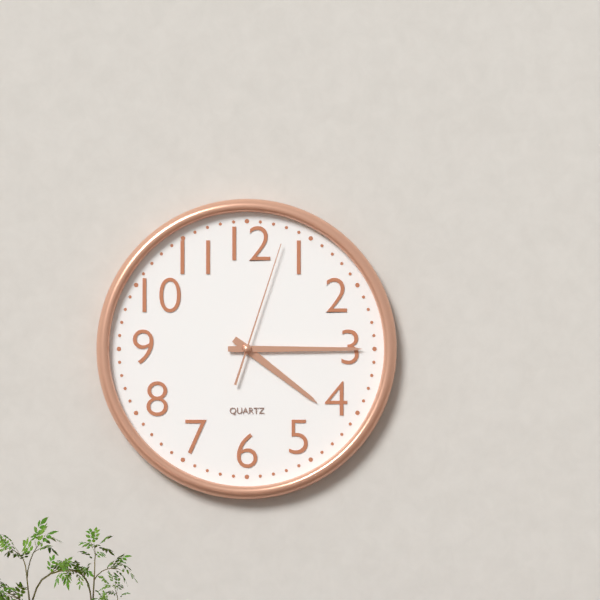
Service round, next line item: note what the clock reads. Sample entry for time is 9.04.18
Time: 4.15.03
